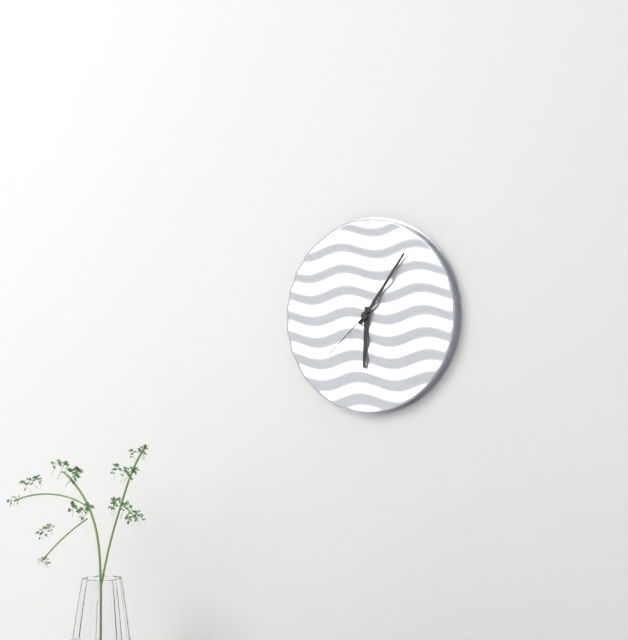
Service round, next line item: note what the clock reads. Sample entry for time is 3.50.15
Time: 6.06.38
